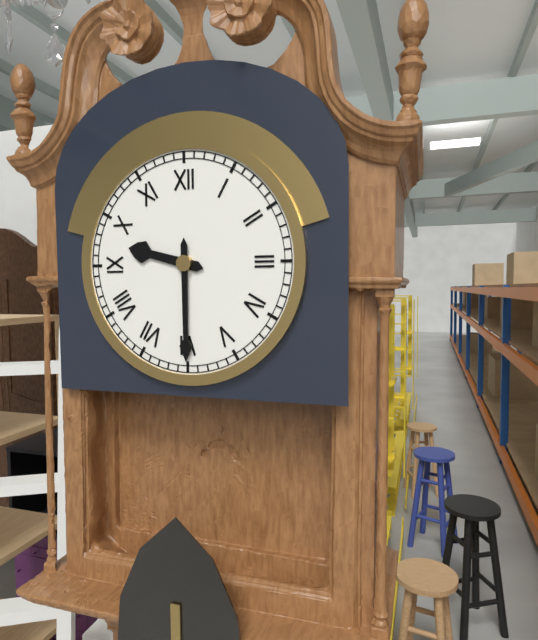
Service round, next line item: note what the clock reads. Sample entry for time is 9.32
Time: 9.30
